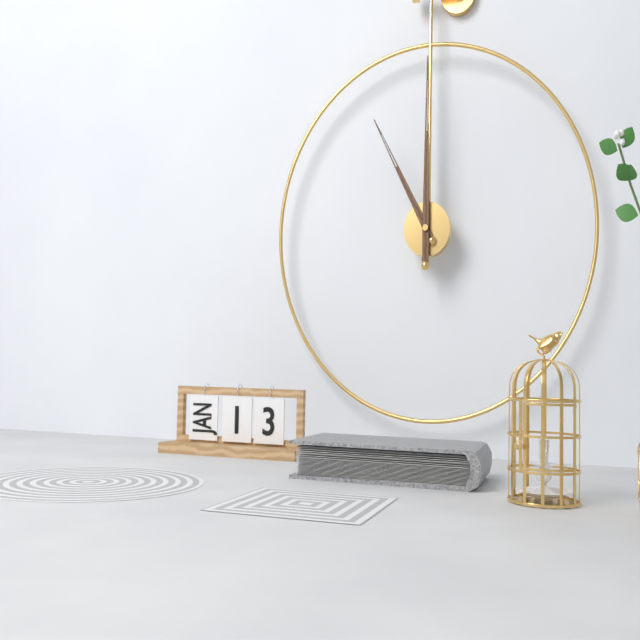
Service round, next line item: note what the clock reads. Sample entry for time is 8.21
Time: 11.00
